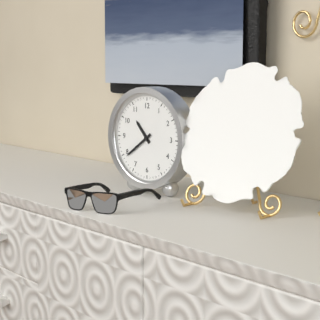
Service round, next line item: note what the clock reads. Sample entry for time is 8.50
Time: 10.39
